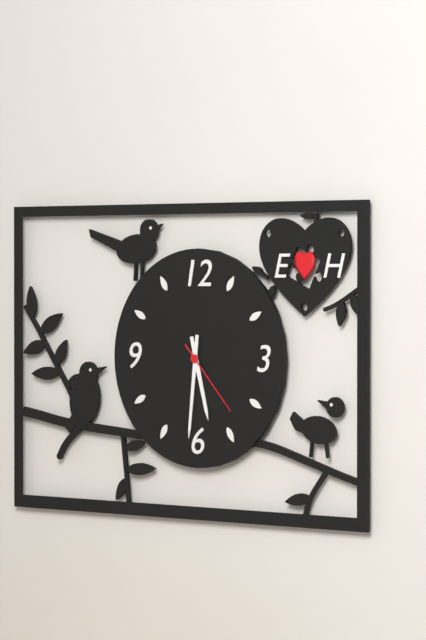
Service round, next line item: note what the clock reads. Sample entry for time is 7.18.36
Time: 5.31.23
